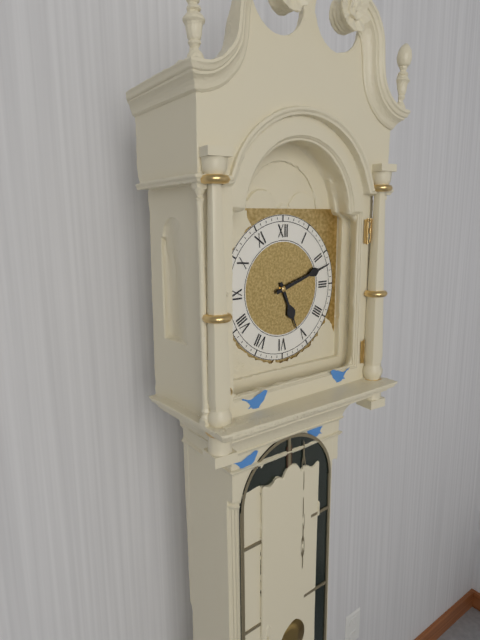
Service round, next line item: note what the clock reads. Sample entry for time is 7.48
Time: 5.12
